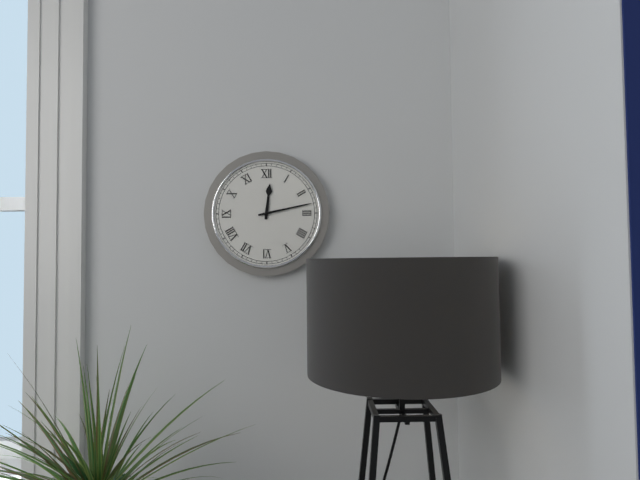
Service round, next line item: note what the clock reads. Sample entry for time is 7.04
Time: 12.13
